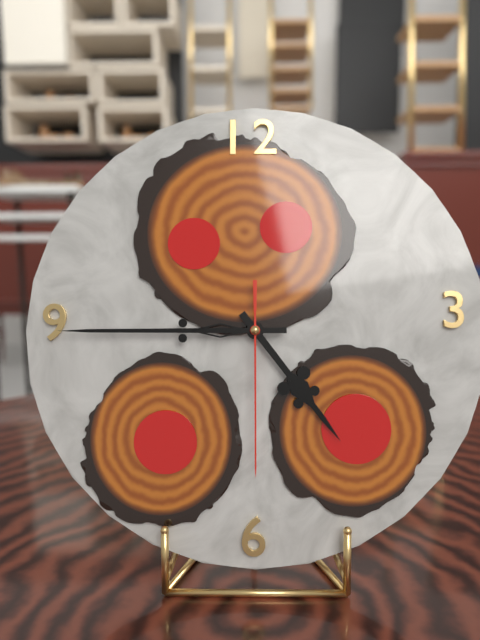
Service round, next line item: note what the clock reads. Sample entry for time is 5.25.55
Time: 4.45.30
